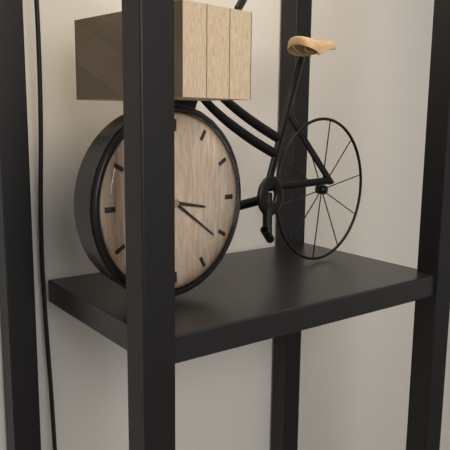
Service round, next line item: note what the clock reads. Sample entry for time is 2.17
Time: 3.21
